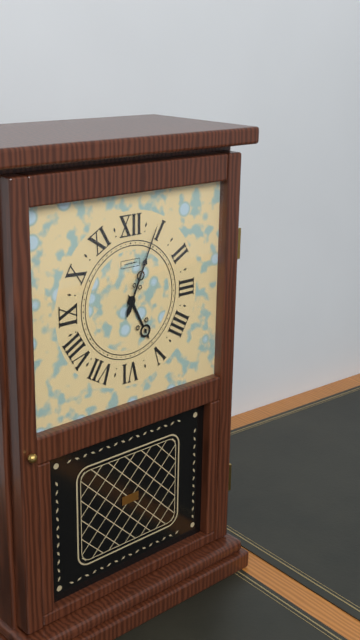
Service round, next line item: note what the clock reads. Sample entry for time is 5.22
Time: 5.04
